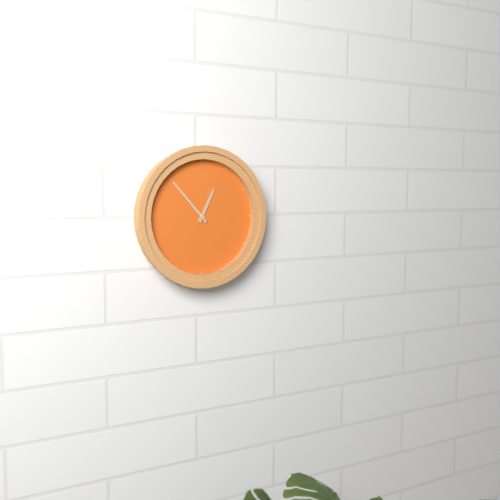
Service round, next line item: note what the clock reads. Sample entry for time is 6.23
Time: 12.53
